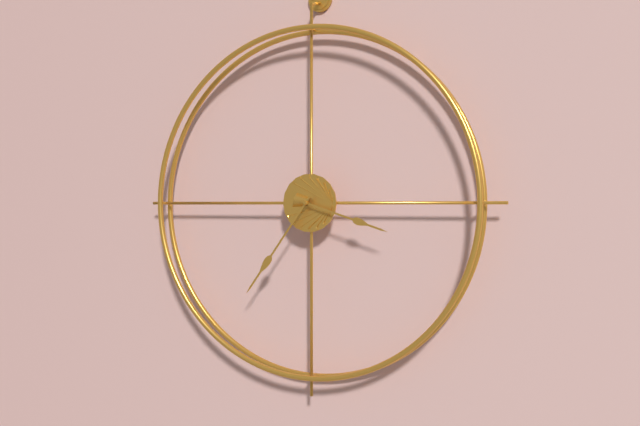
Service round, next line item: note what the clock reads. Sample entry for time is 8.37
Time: 3.36
